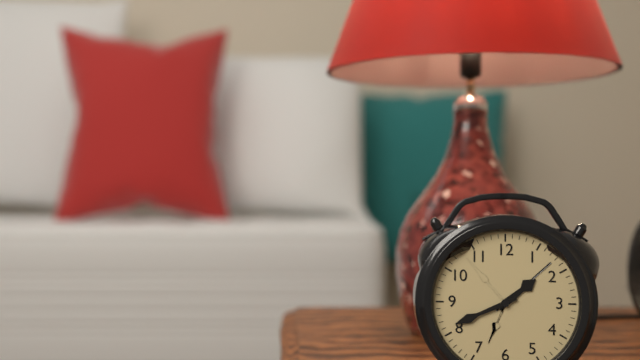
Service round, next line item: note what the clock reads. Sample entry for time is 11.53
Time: 1.41
